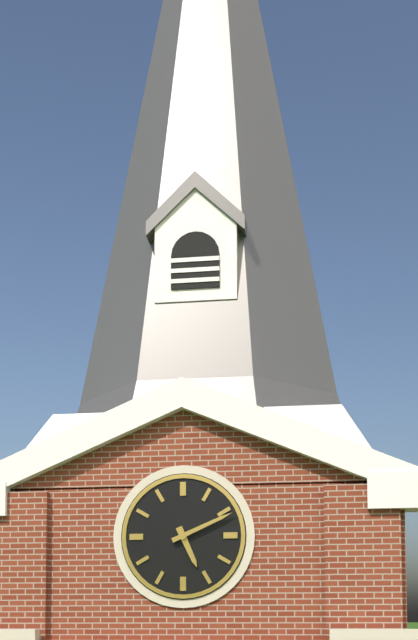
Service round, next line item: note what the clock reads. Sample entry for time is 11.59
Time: 5.11
